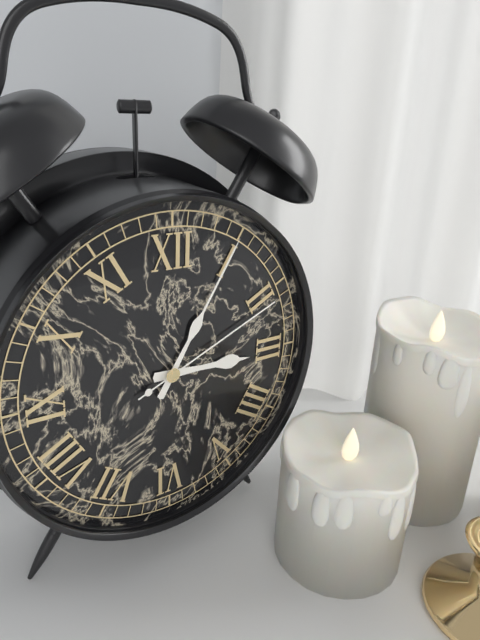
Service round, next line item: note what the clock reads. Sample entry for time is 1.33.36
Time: 3.05.11
